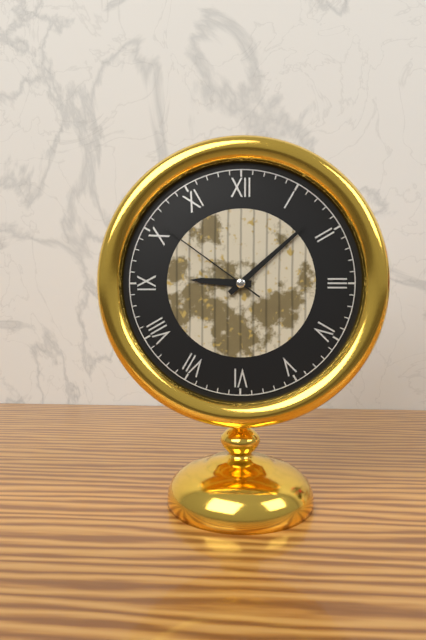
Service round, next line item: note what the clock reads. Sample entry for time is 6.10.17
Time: 9.08.51
